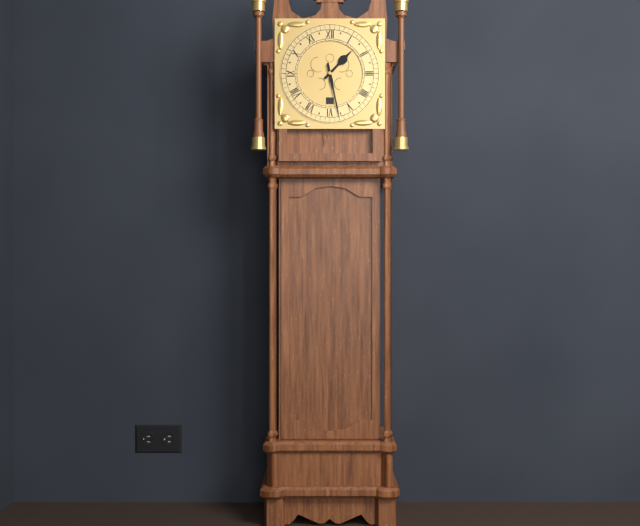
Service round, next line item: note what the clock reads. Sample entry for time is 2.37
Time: 1.28
